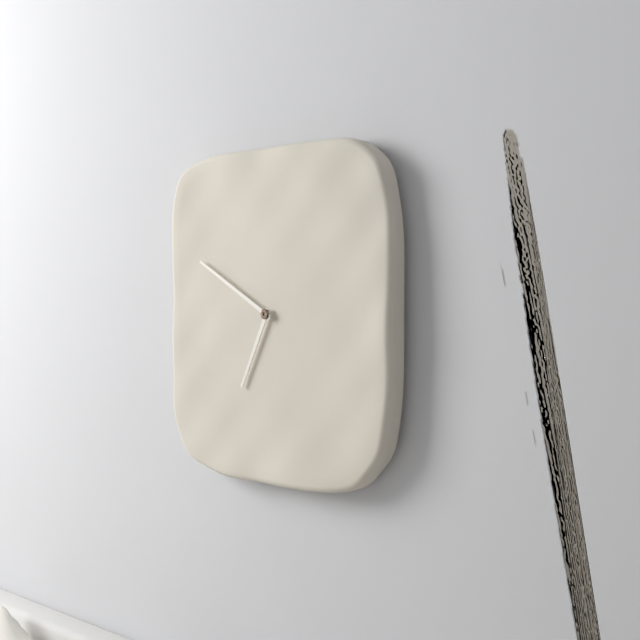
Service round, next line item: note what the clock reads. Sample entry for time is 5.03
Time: 6.50
